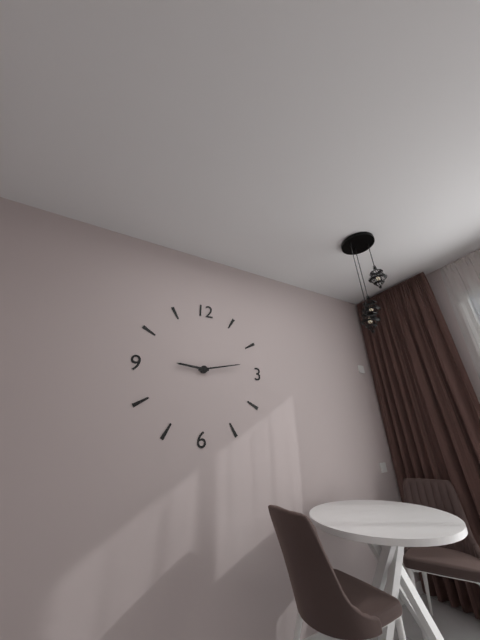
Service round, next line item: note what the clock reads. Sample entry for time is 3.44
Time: 9.13
